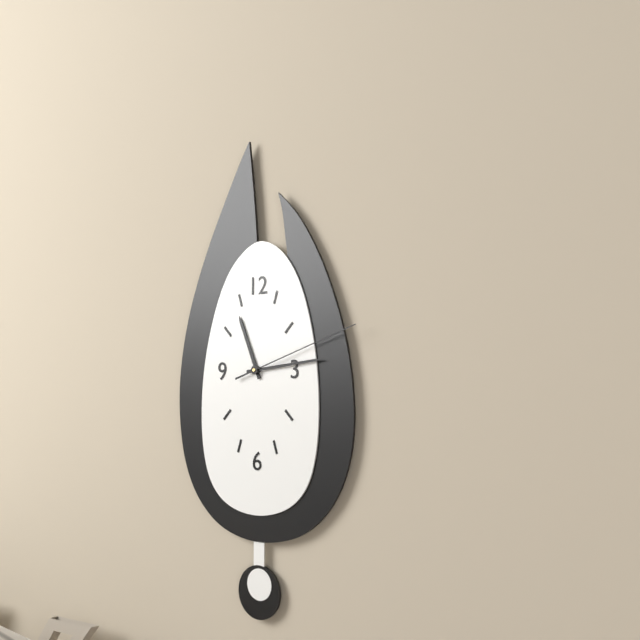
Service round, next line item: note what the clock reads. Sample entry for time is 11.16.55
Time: 11.14.12
